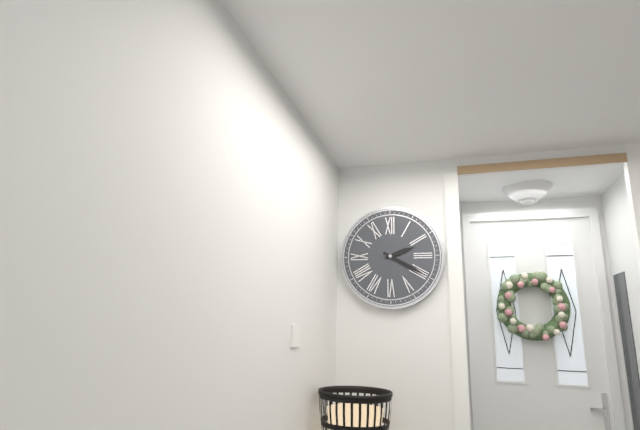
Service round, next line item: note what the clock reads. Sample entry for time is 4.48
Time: 2.20
